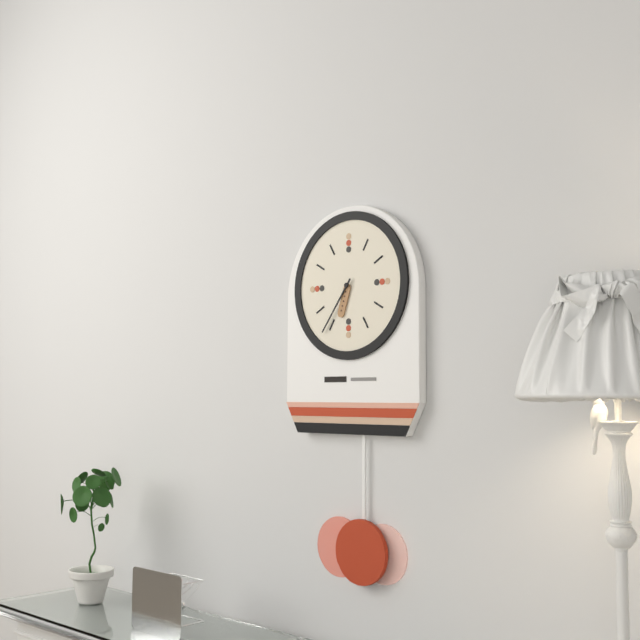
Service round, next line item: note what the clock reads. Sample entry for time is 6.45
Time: 6.36
